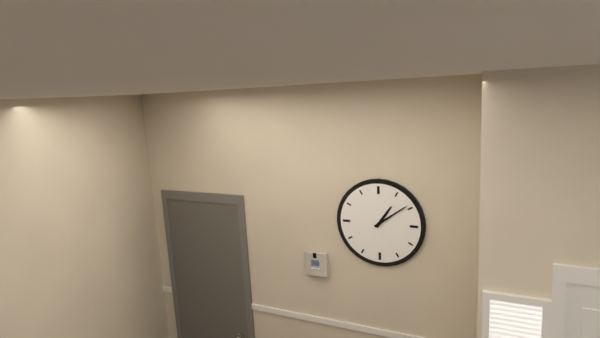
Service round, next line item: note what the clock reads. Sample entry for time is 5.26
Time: 1.09
